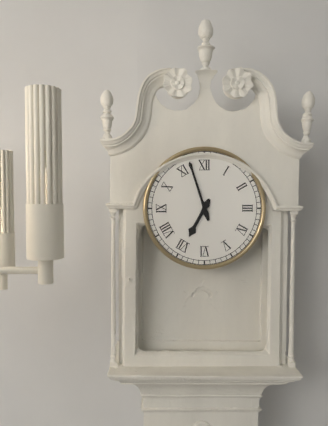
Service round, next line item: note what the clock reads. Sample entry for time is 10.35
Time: 6.57
